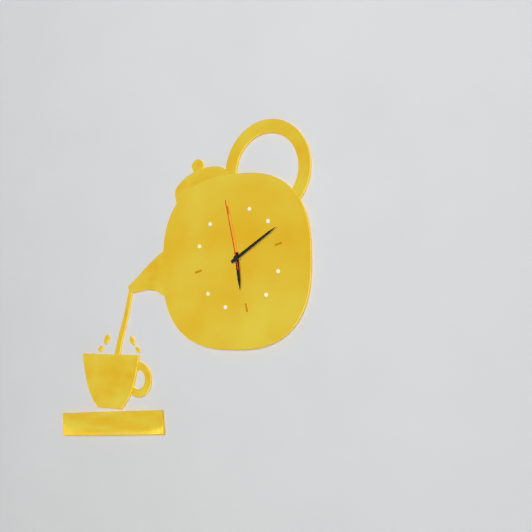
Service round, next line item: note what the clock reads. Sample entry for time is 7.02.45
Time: 6.12.00
